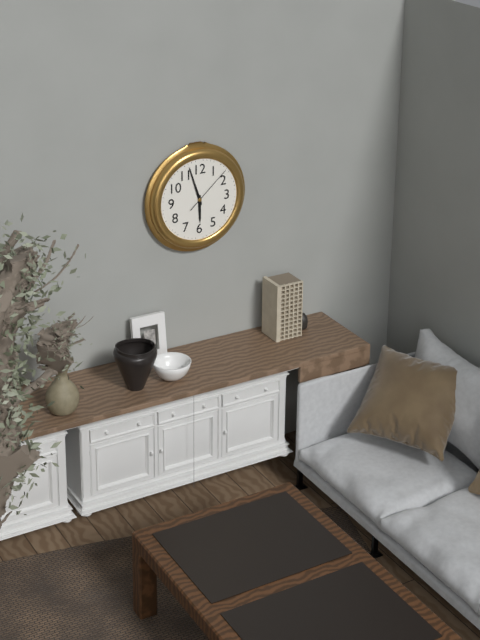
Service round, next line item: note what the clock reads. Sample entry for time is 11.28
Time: 5.57
